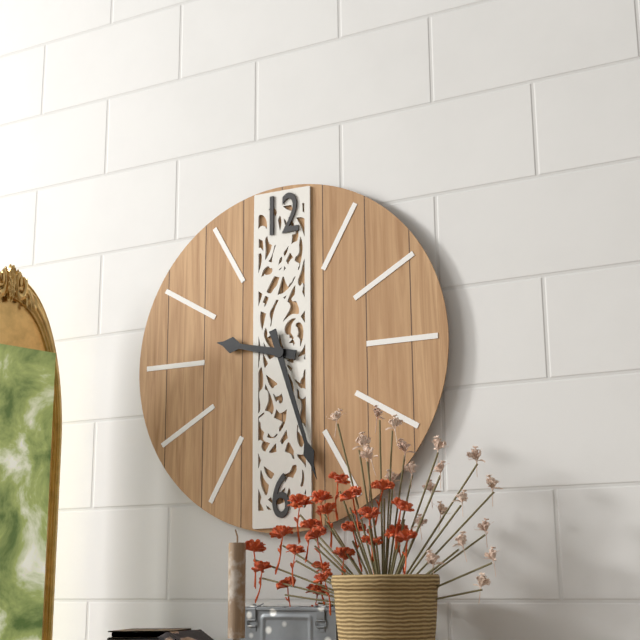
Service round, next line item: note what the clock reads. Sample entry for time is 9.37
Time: 9.27
